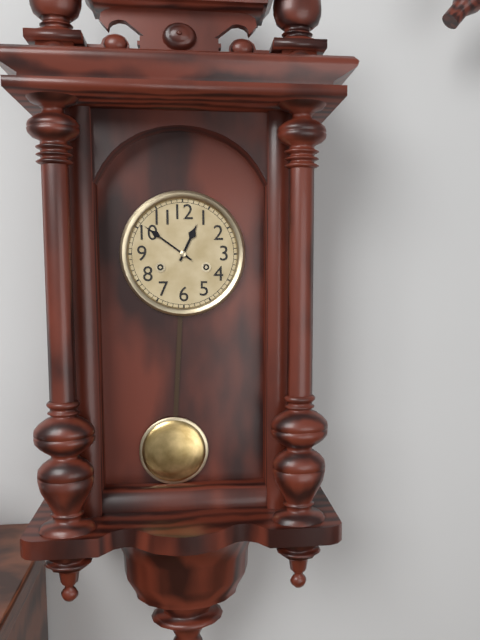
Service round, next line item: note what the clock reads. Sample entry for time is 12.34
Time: 12.51
